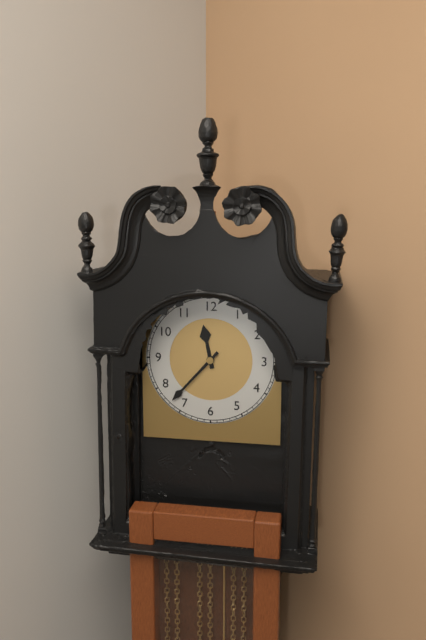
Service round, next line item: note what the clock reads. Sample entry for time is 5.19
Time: 11.37
